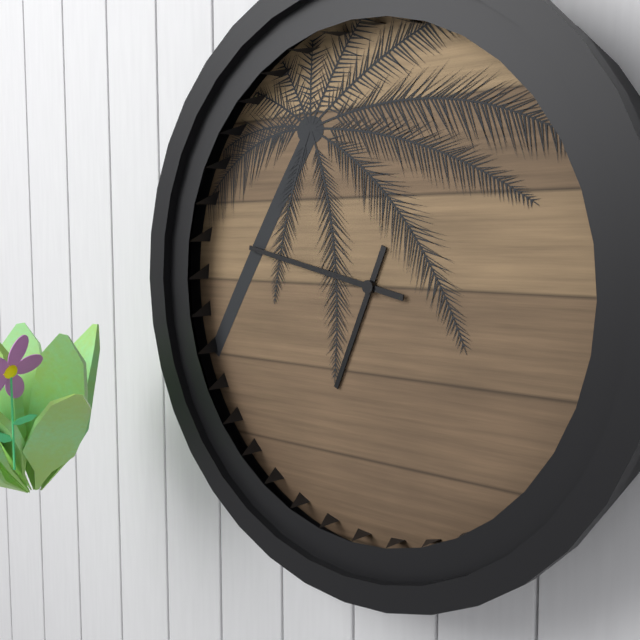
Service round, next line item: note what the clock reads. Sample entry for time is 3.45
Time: 6.47
